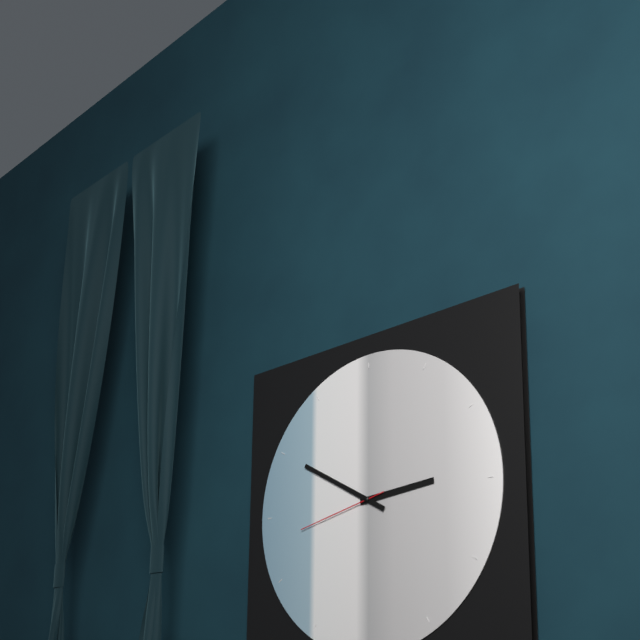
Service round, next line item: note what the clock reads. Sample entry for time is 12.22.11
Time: 2.50.43
